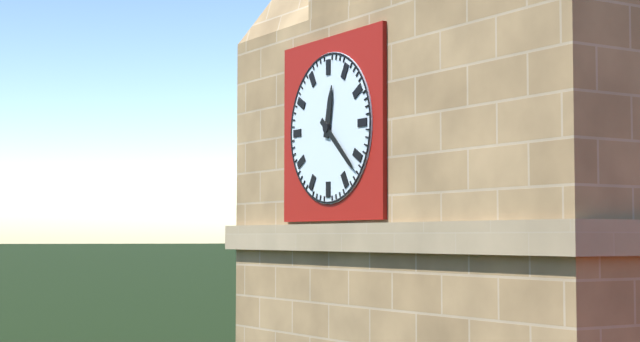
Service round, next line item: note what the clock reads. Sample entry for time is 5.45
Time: 12.22
